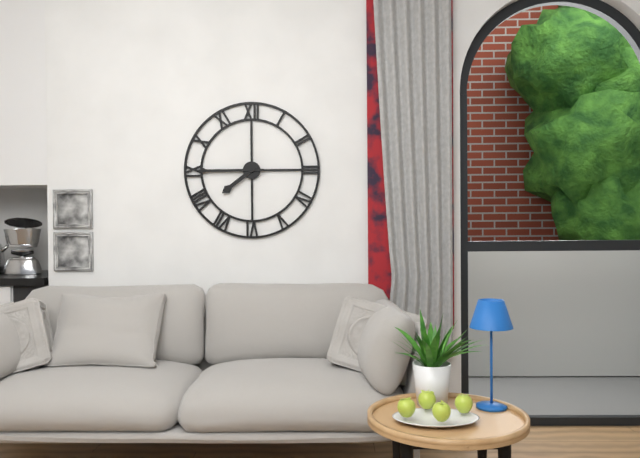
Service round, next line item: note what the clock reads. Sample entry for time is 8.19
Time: 7.45
